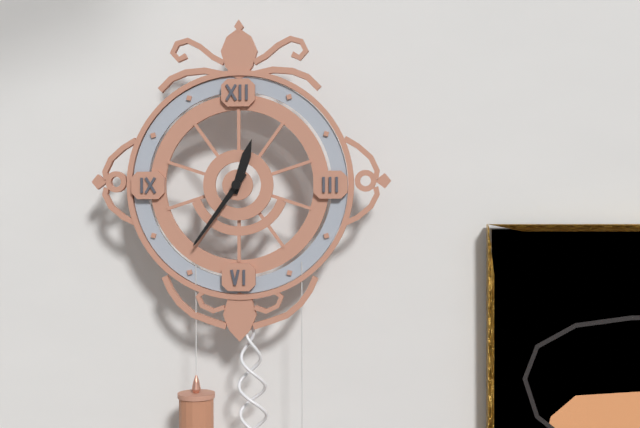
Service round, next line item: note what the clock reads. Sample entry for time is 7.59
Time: 12.36
